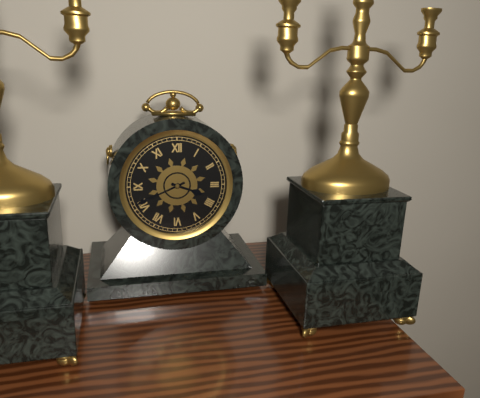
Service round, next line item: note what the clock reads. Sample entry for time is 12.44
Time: 3.41
